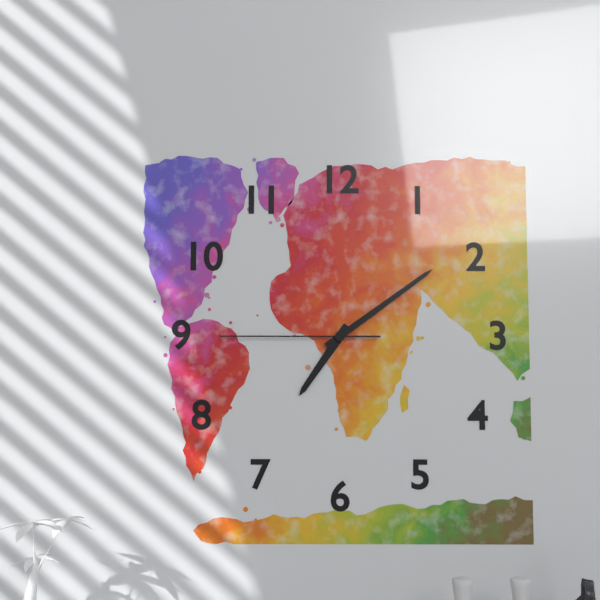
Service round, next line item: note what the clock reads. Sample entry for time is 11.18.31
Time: 7.09.45
